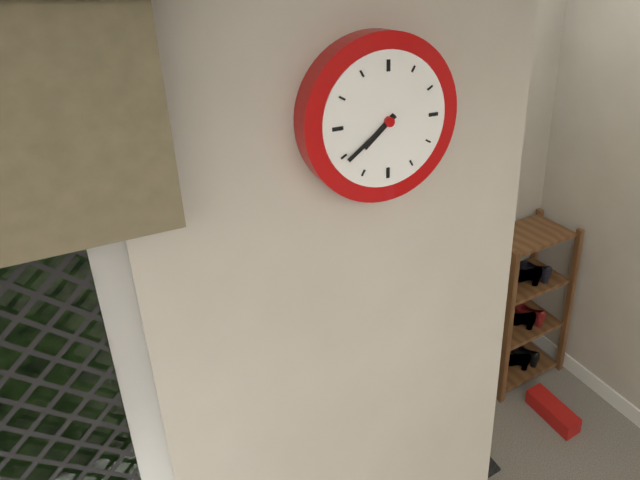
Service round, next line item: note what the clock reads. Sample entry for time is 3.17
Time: 7.39
